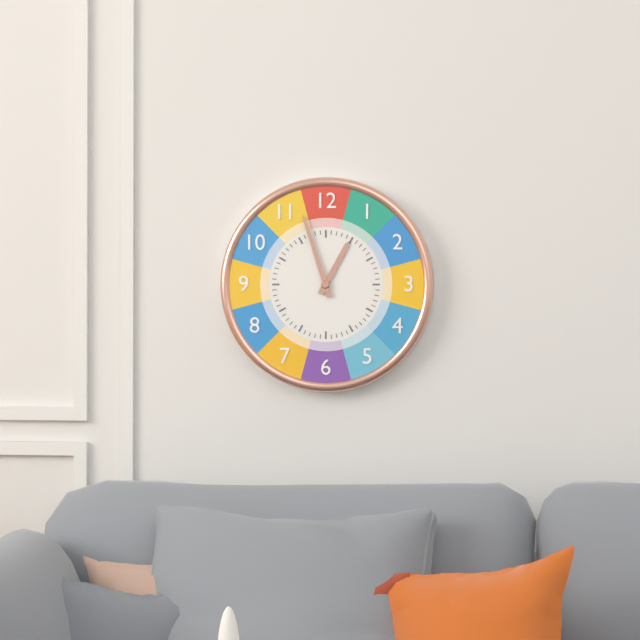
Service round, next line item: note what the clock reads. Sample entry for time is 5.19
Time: 12.57
